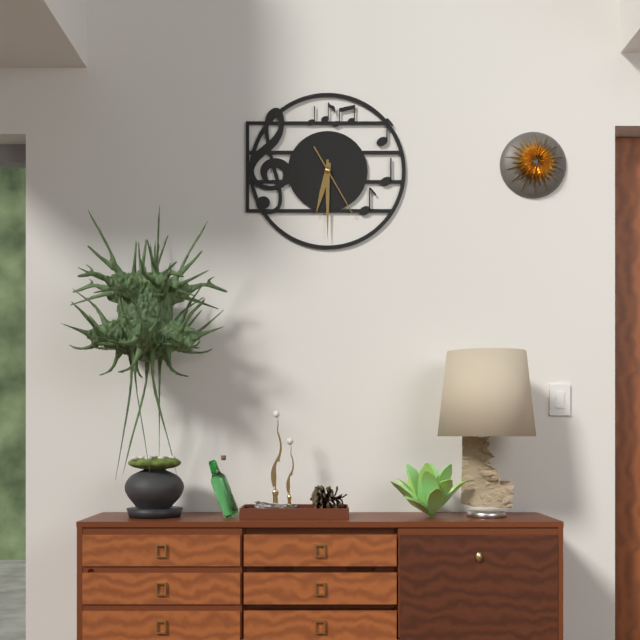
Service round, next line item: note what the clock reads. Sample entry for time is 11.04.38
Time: 6.30.25
